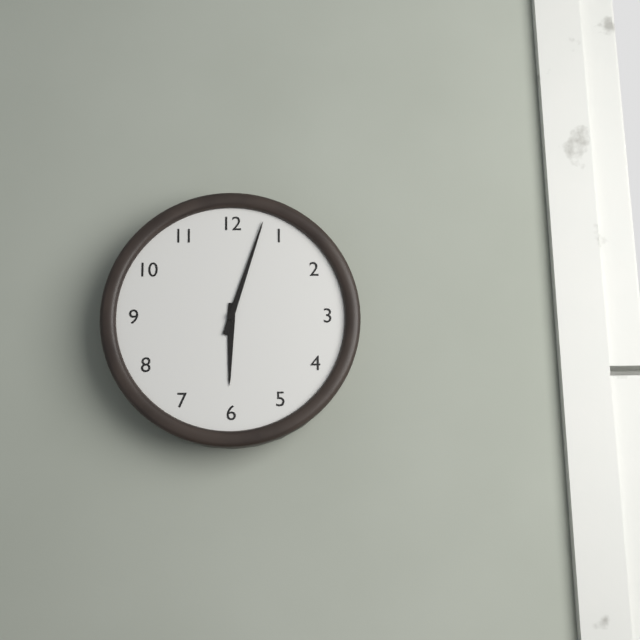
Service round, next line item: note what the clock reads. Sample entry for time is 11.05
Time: 6.03
